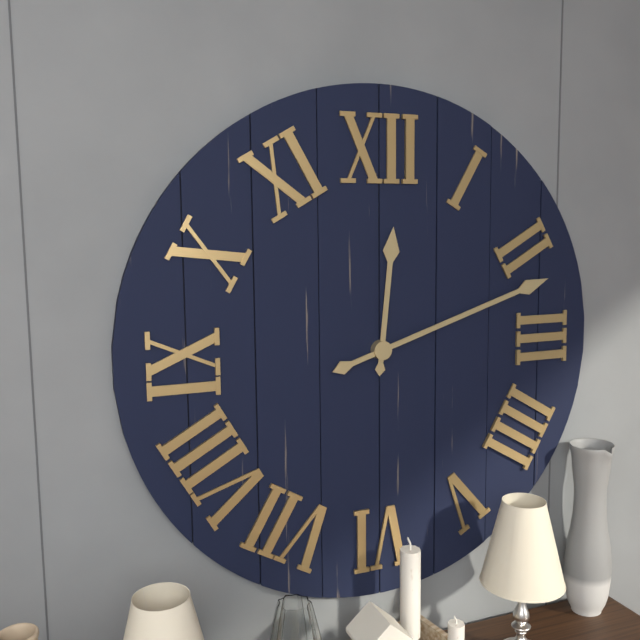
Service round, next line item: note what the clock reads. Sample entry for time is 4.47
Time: 12.12
